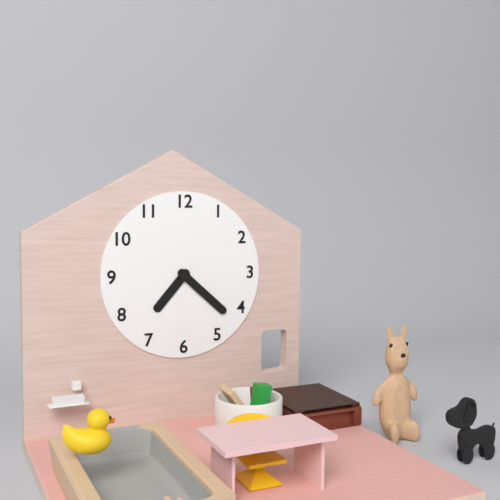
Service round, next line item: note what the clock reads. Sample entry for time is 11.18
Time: 7.22
